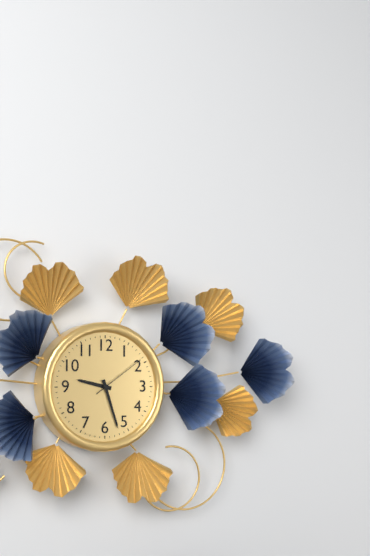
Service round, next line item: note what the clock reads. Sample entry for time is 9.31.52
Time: 9.27.09
